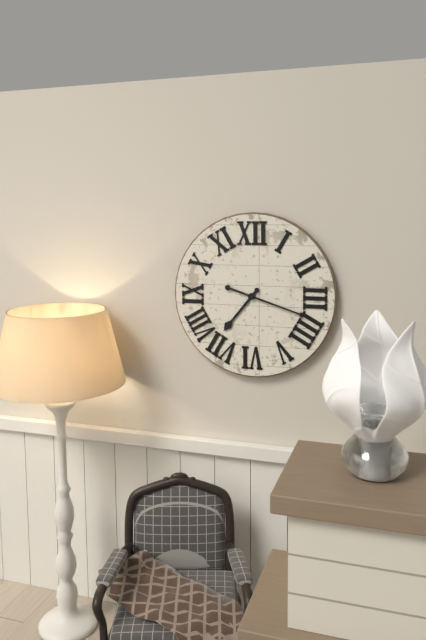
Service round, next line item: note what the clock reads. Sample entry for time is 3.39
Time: 7.18
